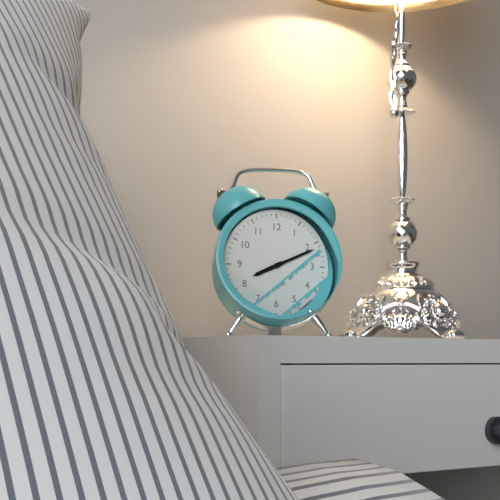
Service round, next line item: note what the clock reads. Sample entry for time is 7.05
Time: 8.11
